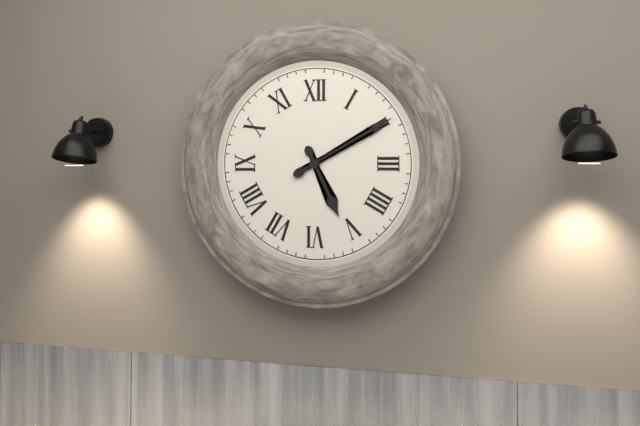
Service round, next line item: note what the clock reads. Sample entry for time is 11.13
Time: 5.10
